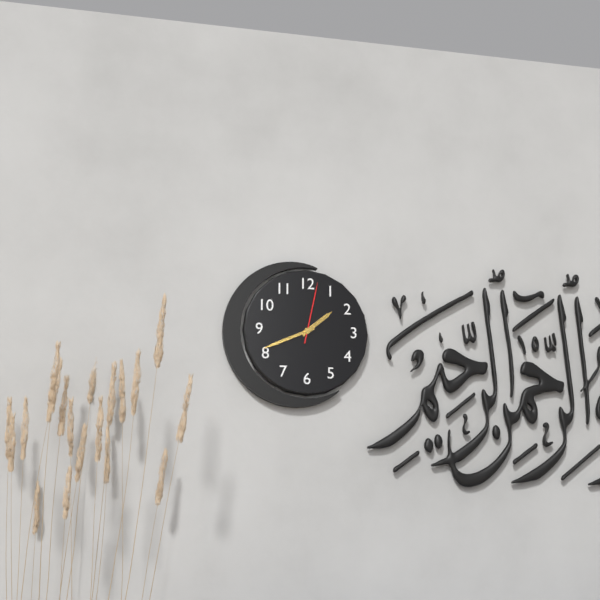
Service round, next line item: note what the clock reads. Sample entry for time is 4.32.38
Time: 1.41.02
